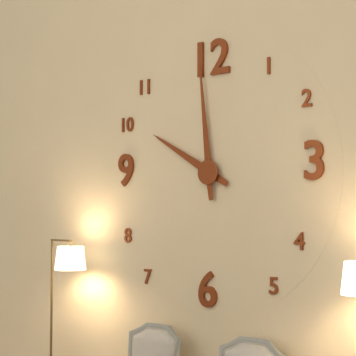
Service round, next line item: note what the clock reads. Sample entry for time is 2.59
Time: 9.59
